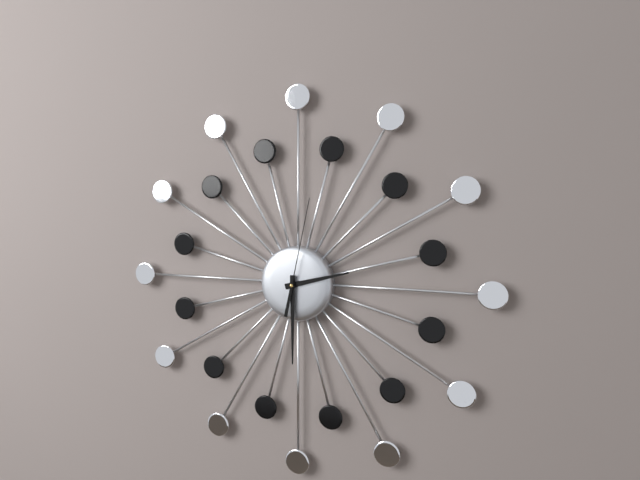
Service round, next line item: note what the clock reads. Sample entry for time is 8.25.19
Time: 2.30.02
